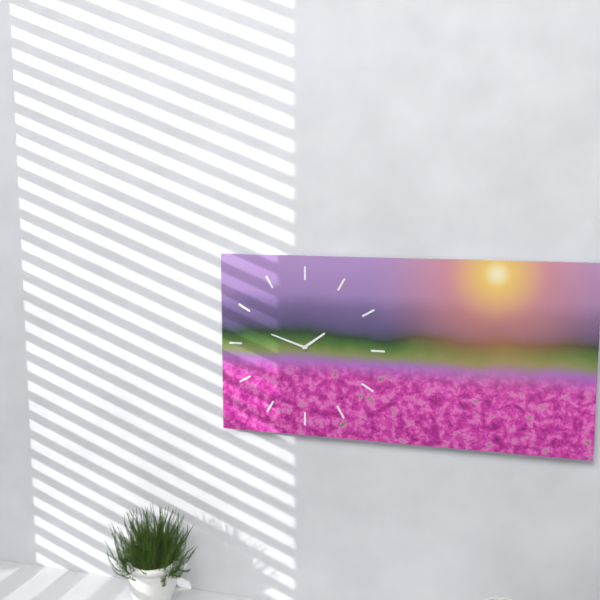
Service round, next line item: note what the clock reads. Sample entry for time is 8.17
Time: 1.48
